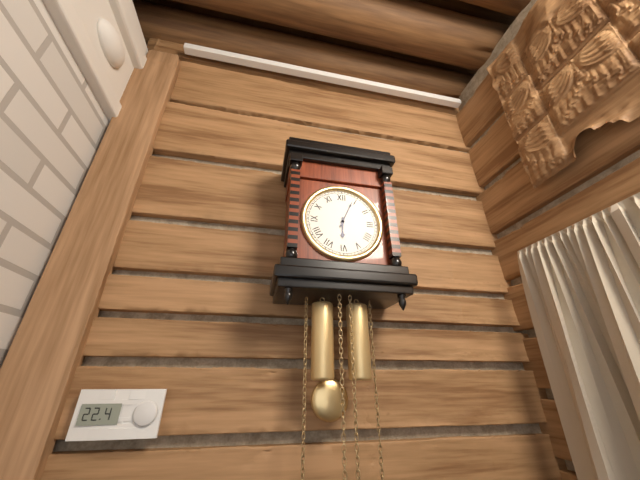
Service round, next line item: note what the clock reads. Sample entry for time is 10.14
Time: 6.04
